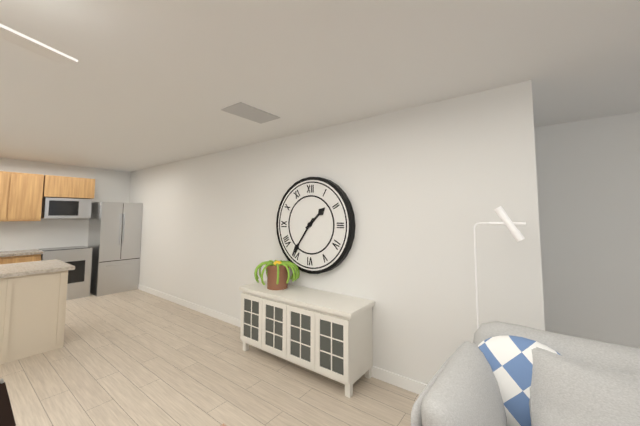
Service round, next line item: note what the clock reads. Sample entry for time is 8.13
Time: 1.36
